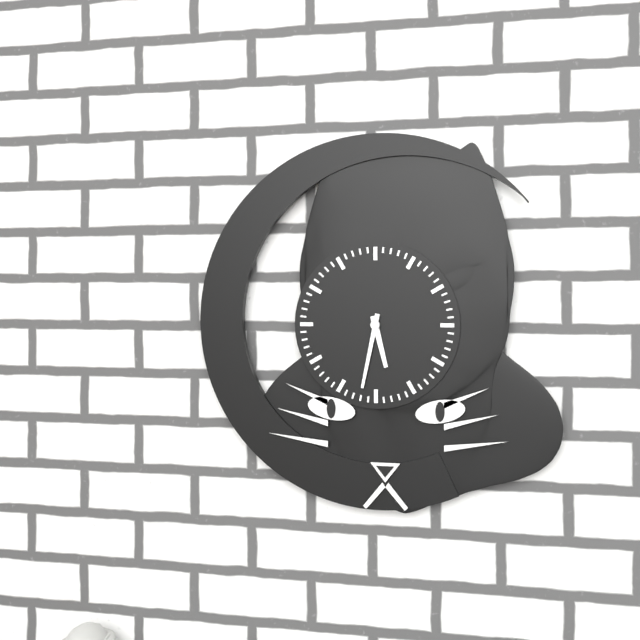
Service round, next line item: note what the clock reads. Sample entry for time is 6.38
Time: 5.32
